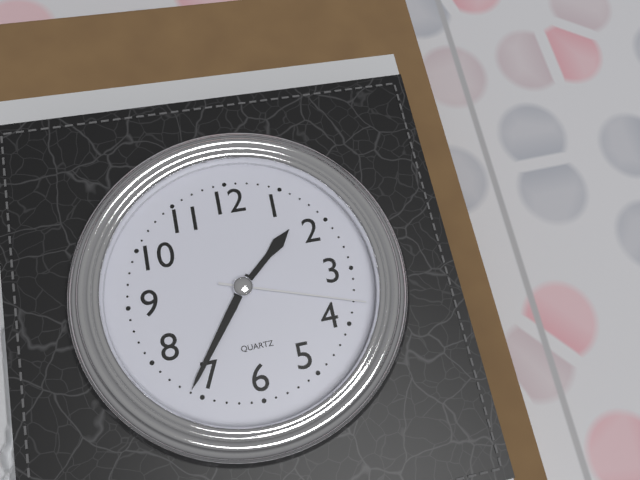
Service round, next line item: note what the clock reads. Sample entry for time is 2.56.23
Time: 1.36.18
